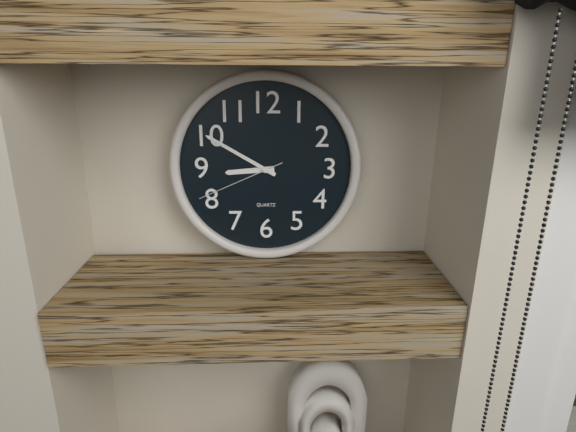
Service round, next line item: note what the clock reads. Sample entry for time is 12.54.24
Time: 8.50.41
